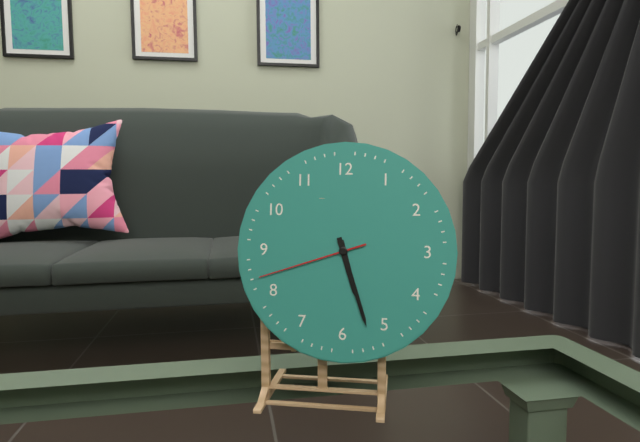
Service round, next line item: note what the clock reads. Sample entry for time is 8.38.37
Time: 5.27.42
